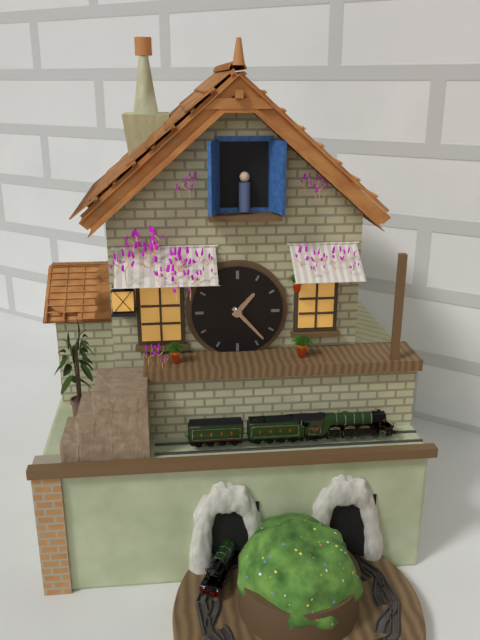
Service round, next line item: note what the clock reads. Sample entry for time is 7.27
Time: 1.23
